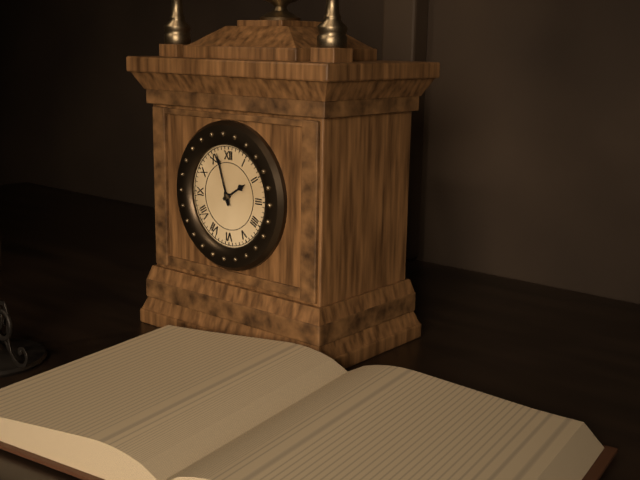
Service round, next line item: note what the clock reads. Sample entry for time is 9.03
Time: 1.57
